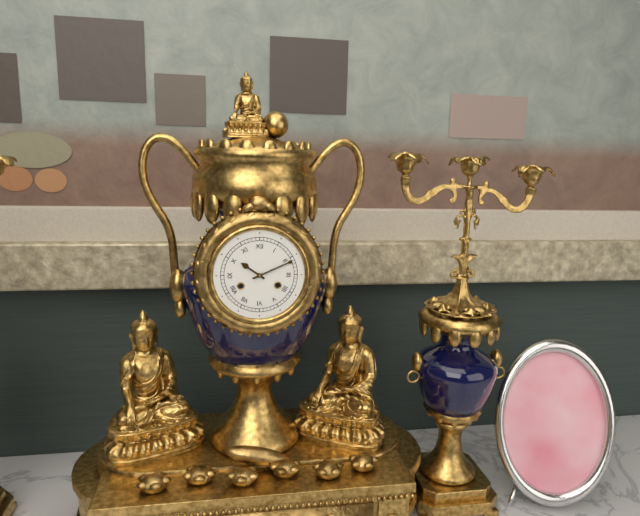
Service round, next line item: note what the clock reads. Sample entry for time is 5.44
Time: 10.11
